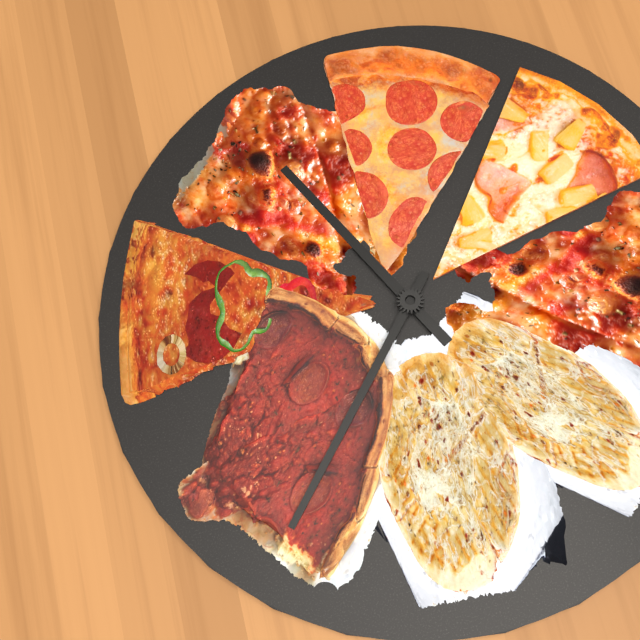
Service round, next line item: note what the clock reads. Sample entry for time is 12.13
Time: 5.07
